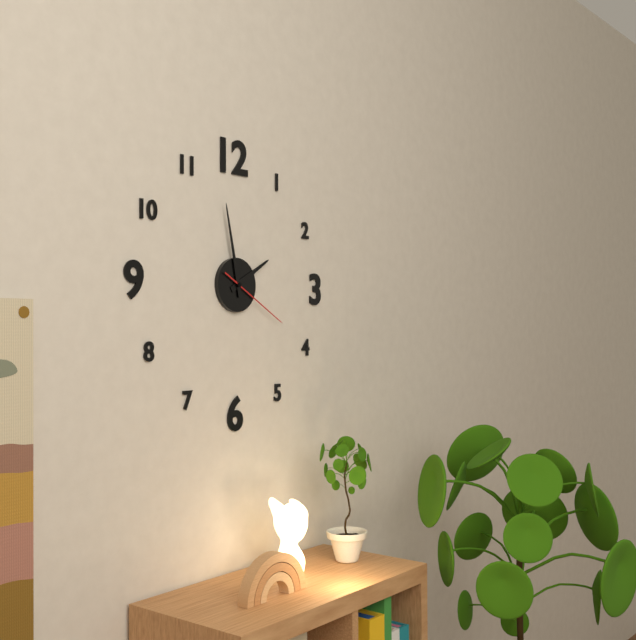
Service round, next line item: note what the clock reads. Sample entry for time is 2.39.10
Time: 1.58.20
